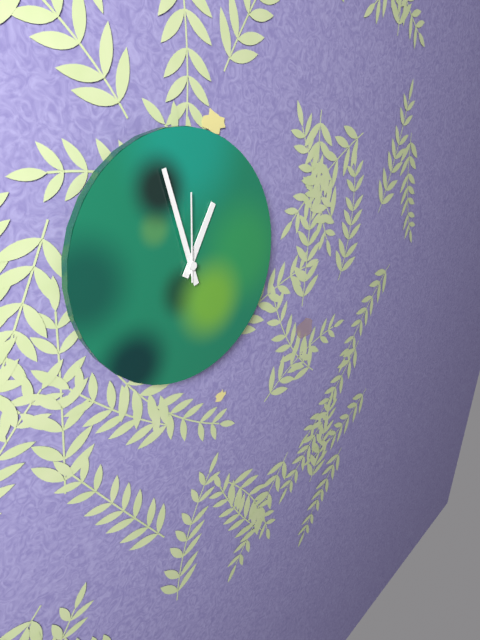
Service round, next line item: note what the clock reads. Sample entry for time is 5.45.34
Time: 12.57.00
